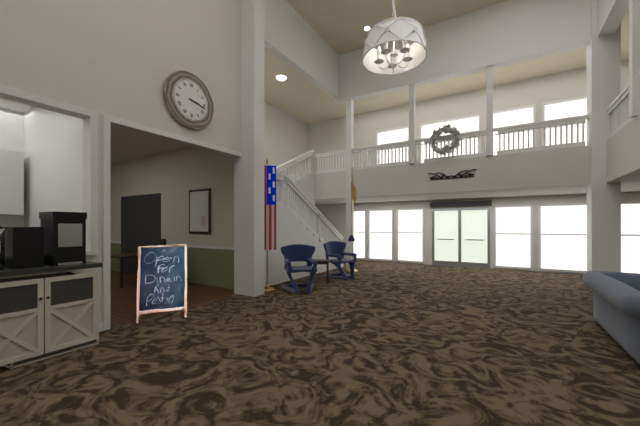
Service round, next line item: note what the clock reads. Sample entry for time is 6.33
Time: 3.17
